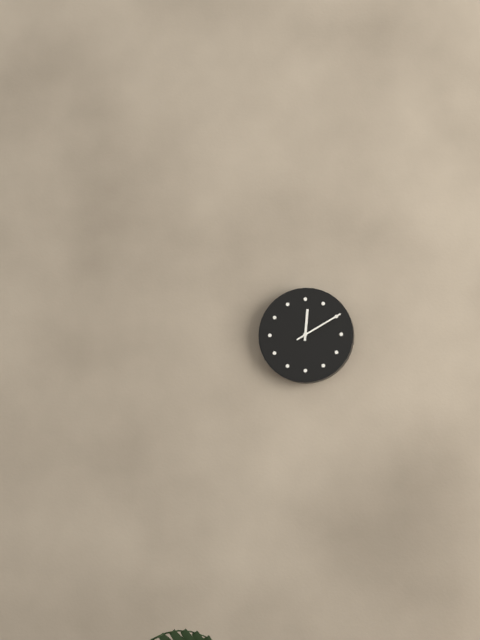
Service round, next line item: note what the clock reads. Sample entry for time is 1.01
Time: 12.10
